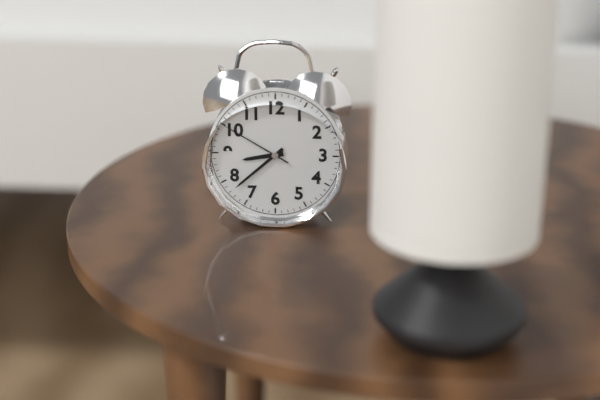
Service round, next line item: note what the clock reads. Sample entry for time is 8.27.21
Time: 8.38.50
